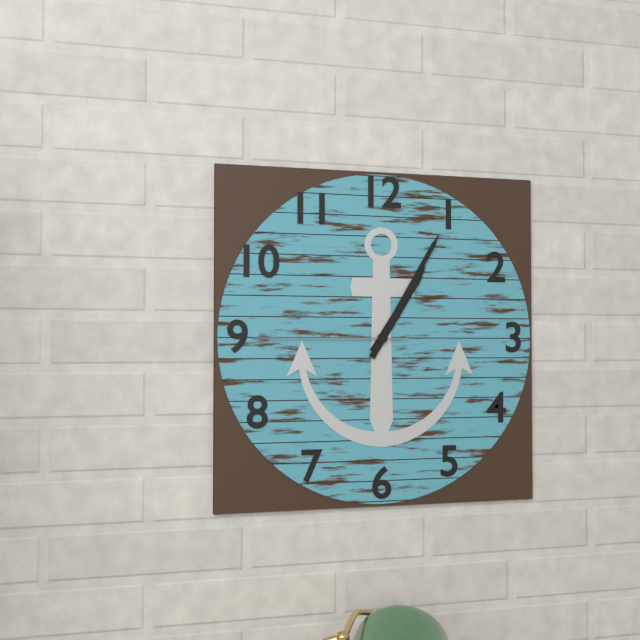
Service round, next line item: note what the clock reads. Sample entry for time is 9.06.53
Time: 1.05.45
